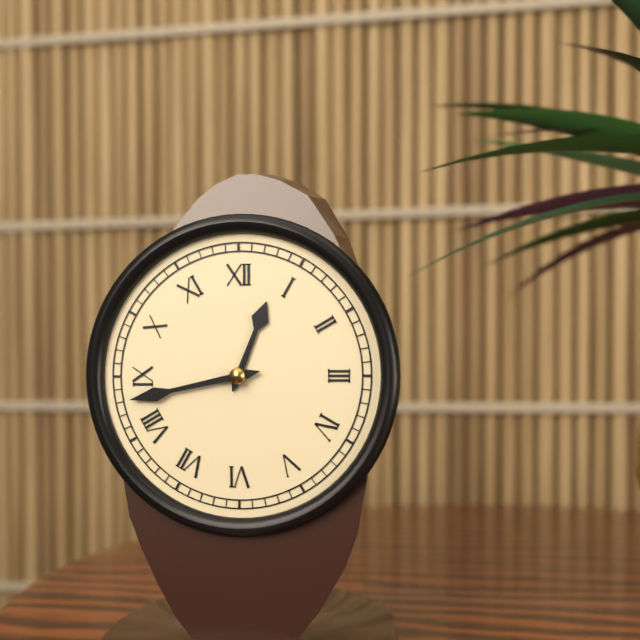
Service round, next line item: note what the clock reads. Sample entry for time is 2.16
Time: 12.43
